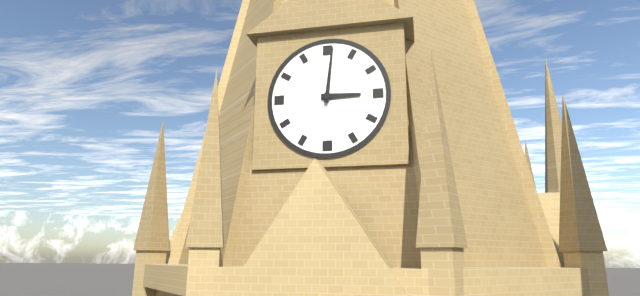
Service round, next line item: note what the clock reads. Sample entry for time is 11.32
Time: 3.01
